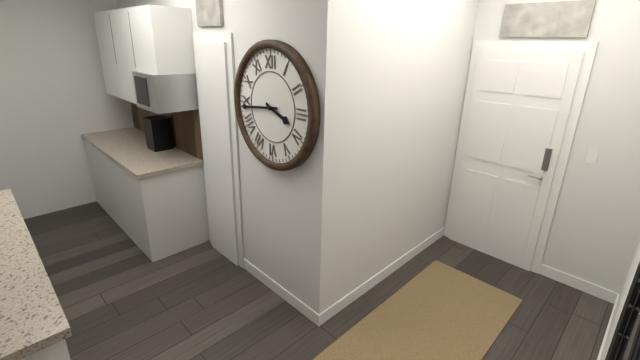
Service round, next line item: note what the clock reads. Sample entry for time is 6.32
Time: 3.44
